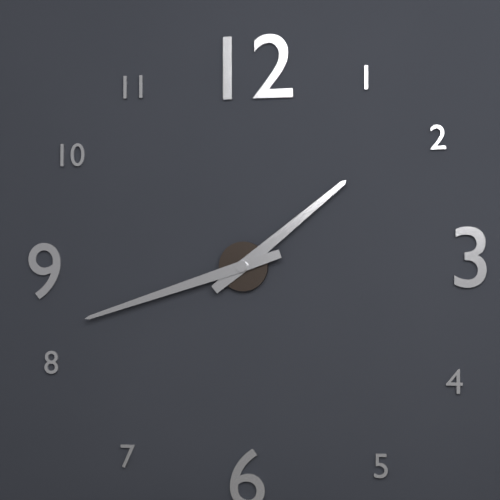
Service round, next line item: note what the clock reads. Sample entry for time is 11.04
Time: 1.42
